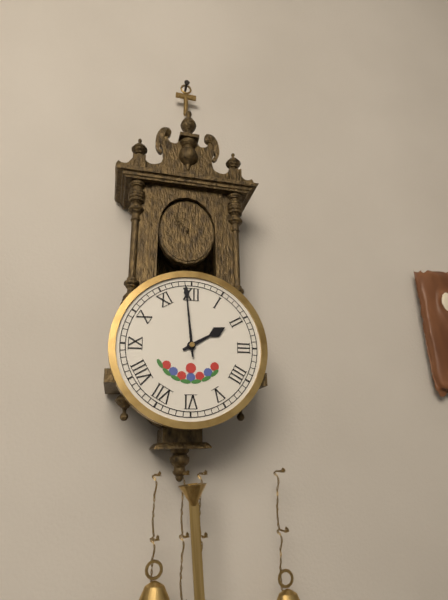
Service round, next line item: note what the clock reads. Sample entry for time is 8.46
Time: 1.59
